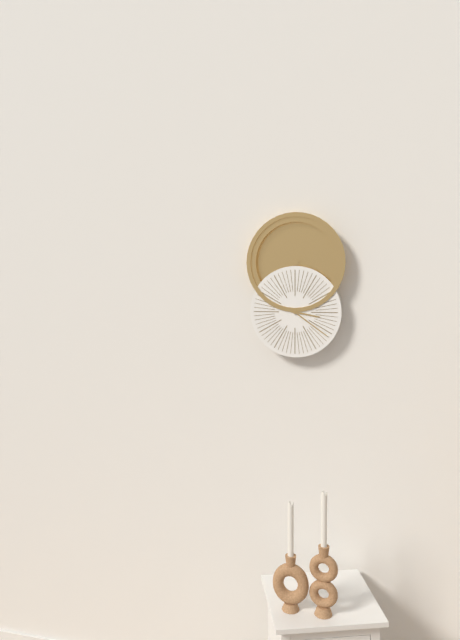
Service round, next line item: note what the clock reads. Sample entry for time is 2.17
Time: 3.21
